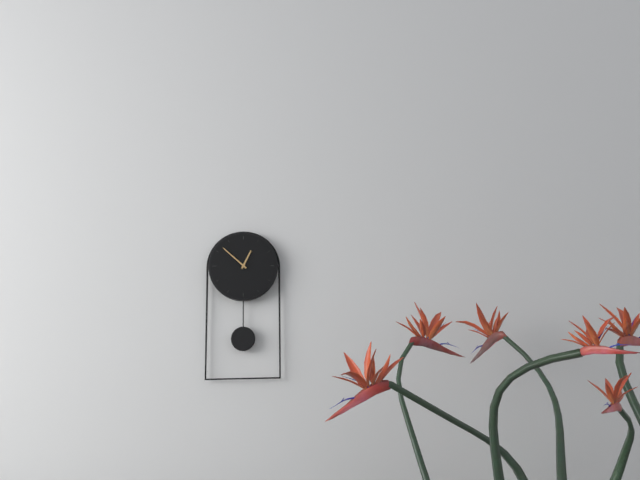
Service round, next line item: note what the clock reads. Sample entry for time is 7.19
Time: 12.52
